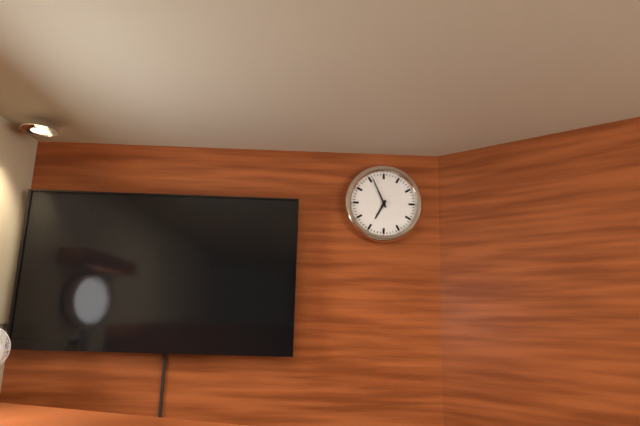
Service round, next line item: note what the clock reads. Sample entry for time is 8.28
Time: 6.56
